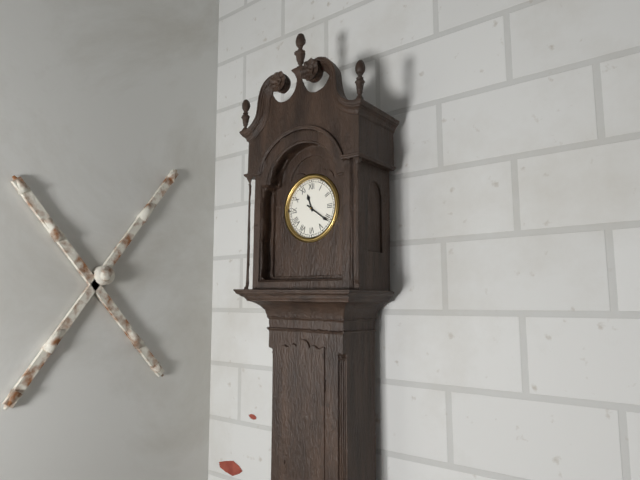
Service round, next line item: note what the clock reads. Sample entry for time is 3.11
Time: 11.21
